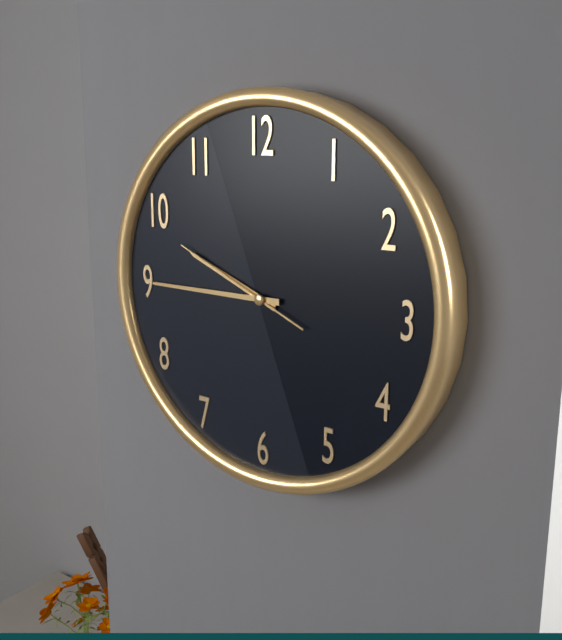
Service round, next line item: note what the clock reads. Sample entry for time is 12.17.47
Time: 9.45.49
